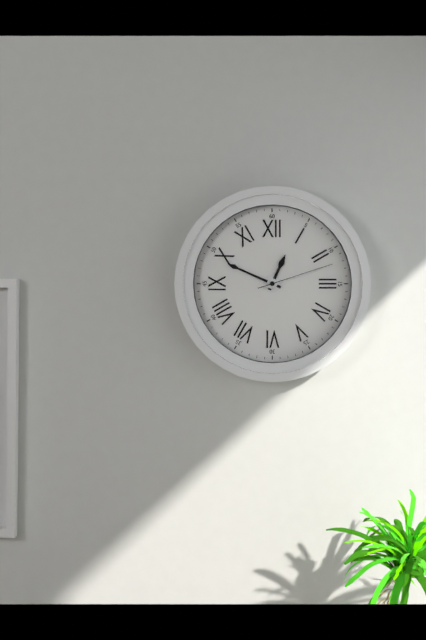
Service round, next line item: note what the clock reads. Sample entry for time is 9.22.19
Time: 12.49.12
